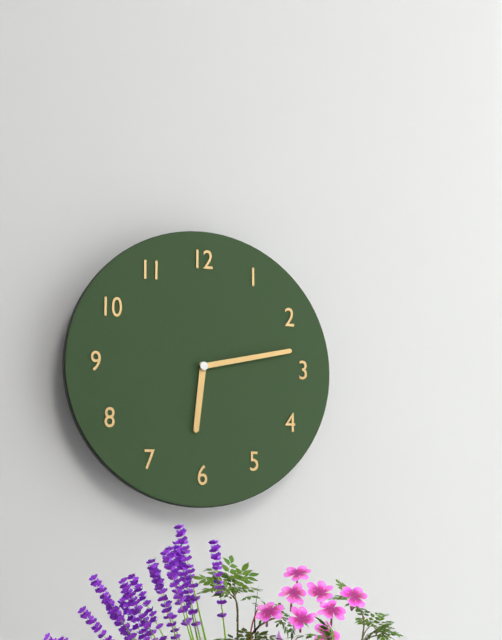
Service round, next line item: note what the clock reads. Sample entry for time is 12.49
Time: 6.13
